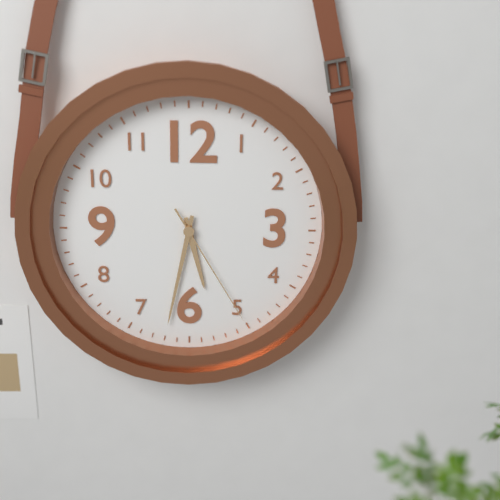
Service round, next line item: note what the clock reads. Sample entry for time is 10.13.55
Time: 5.32.25
